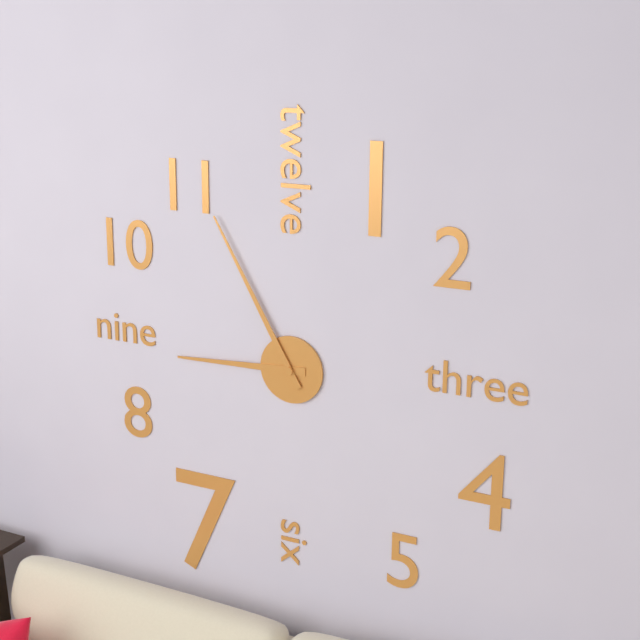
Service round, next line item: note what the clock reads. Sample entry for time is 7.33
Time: 8.55
